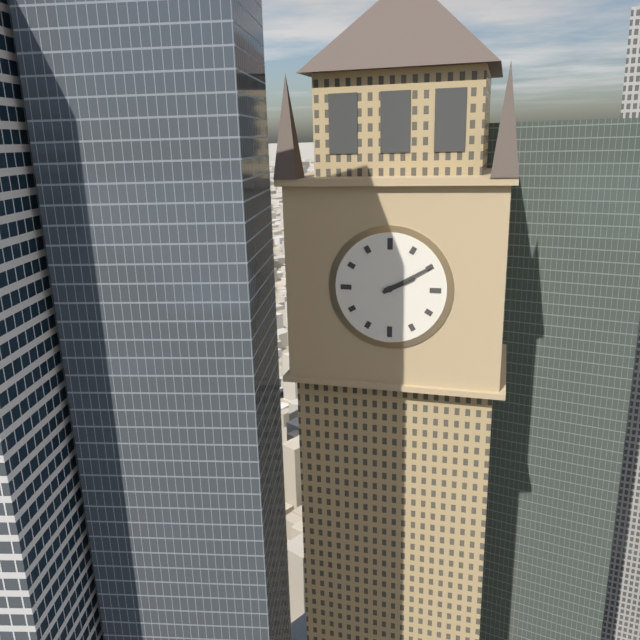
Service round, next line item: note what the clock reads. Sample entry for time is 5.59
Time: 2.10
